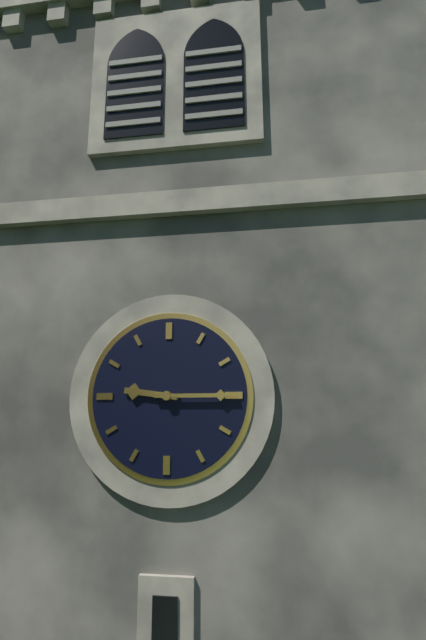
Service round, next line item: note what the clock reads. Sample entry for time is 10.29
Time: 9.15
